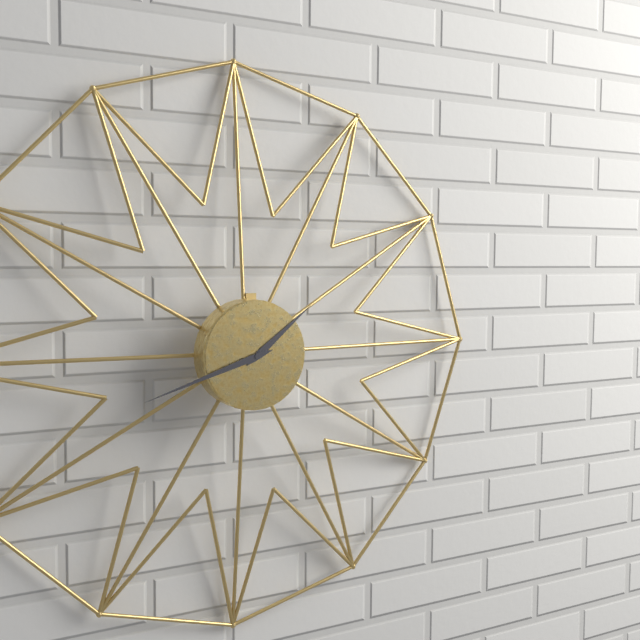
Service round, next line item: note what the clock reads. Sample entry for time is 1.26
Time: 1.42
